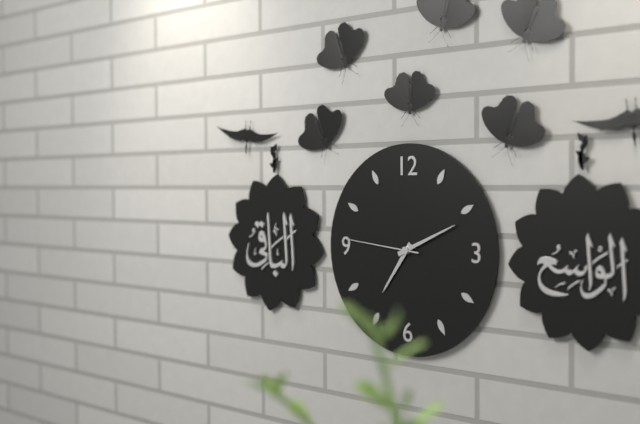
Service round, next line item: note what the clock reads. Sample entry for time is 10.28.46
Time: 7.11.46
